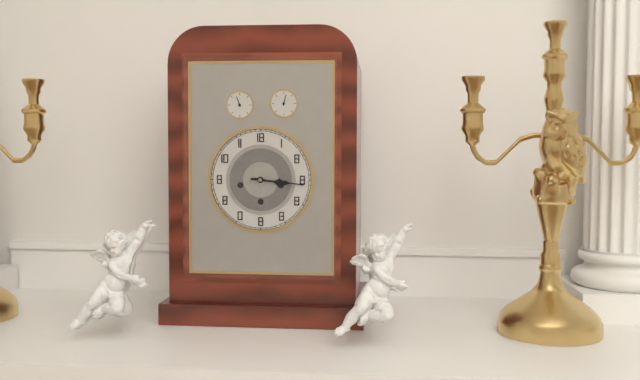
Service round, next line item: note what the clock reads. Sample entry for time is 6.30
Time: 3.16
